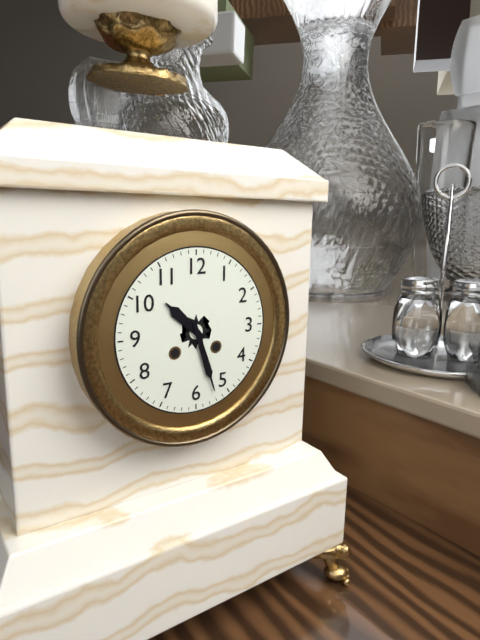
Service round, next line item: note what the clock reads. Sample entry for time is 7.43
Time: 10.27
